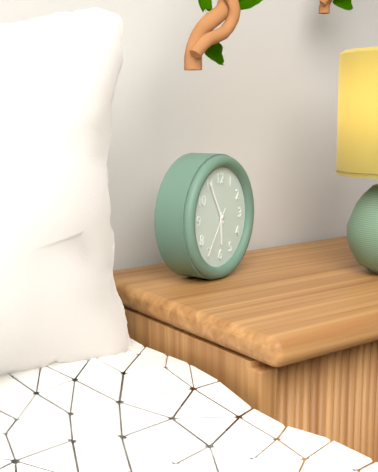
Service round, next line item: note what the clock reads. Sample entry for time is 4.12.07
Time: 5.55.36
